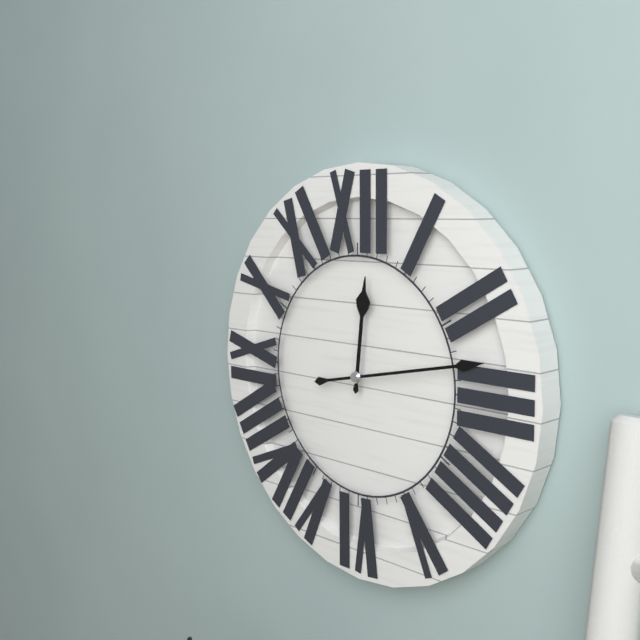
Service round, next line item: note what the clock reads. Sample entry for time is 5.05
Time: 12.13
